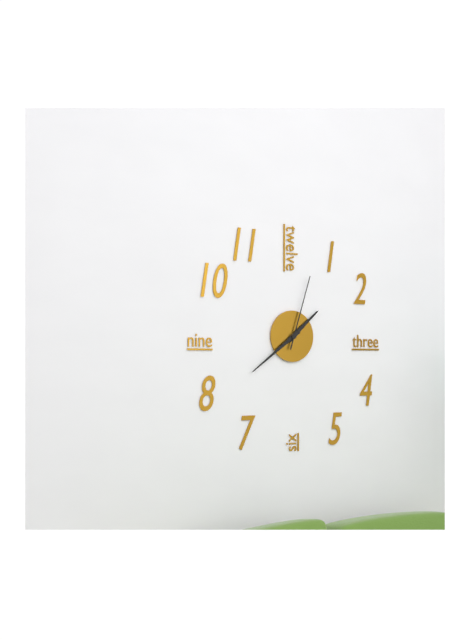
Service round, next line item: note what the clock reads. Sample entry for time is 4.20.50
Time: 1.39.03
